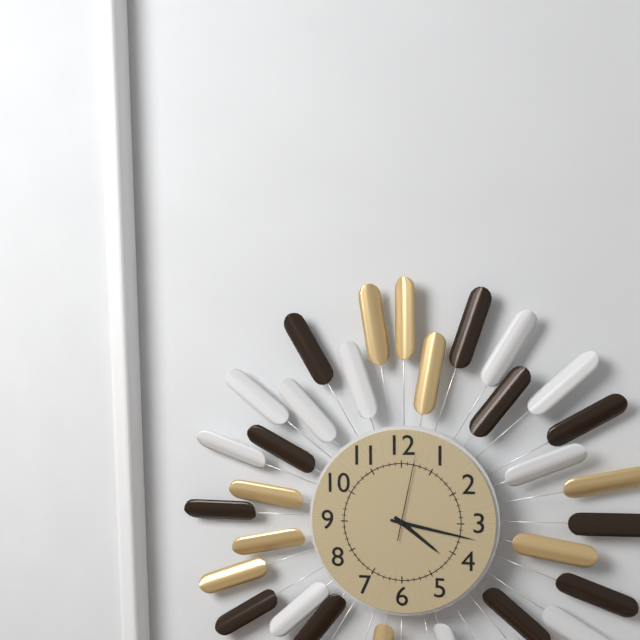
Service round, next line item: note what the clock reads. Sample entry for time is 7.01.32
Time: 4.17.02
